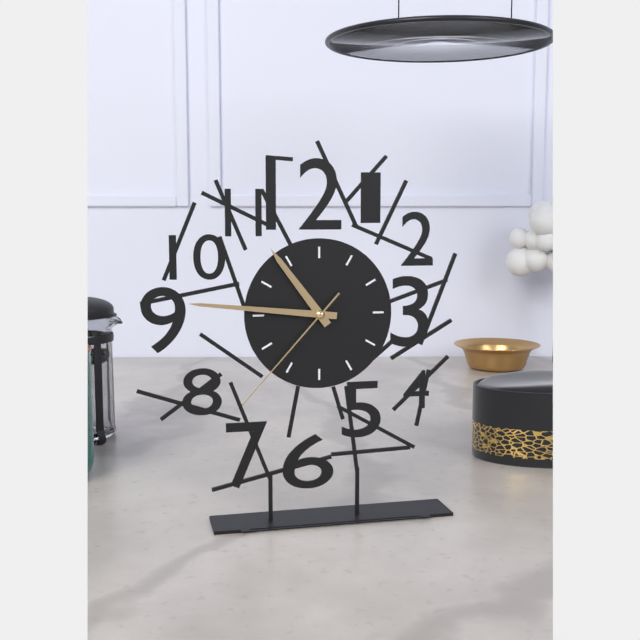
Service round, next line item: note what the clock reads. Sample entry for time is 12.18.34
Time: 10.46.37
